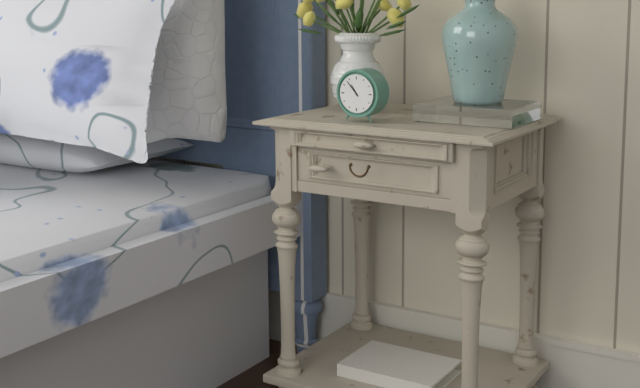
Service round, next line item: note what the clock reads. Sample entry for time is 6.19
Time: 10.53
